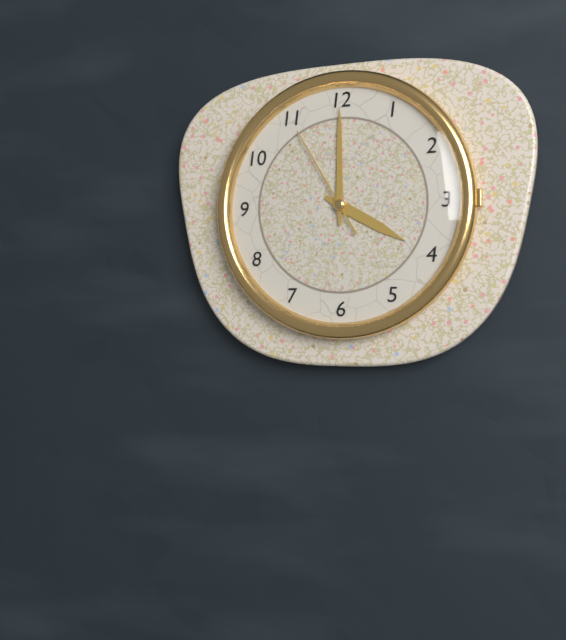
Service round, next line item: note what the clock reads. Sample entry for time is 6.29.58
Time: 4.00.55
